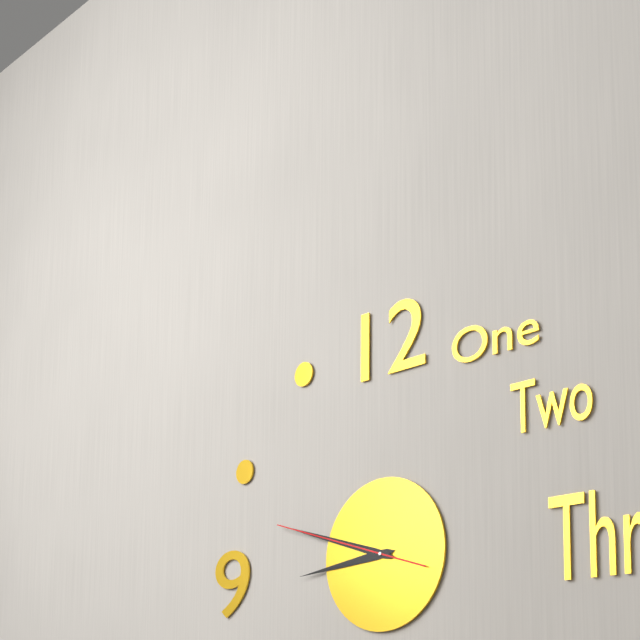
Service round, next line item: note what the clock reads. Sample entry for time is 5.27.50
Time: 8.48.48
